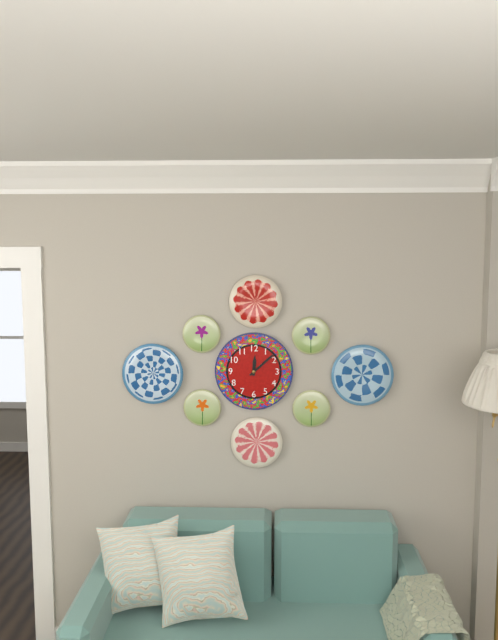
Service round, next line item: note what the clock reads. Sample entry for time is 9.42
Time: 12.08
